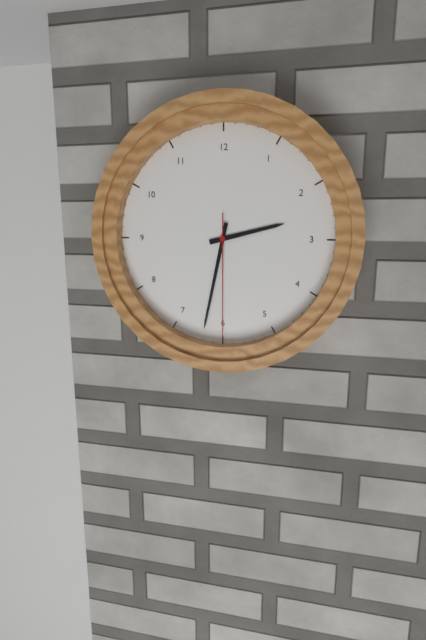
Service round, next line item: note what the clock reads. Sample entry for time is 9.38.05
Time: 2.32.30
